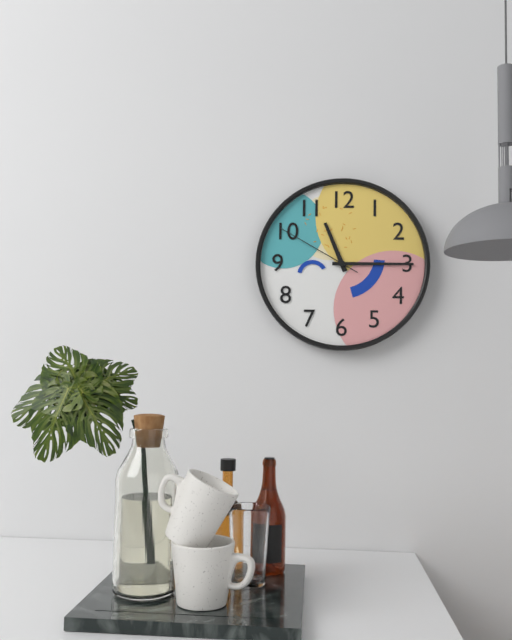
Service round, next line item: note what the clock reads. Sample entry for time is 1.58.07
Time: 11.15.50
